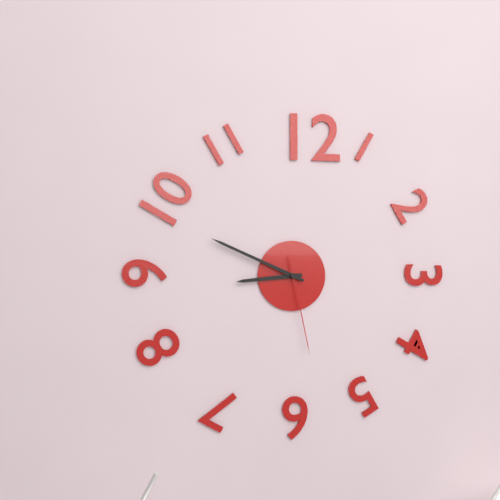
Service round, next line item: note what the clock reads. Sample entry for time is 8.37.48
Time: 8.49.28
